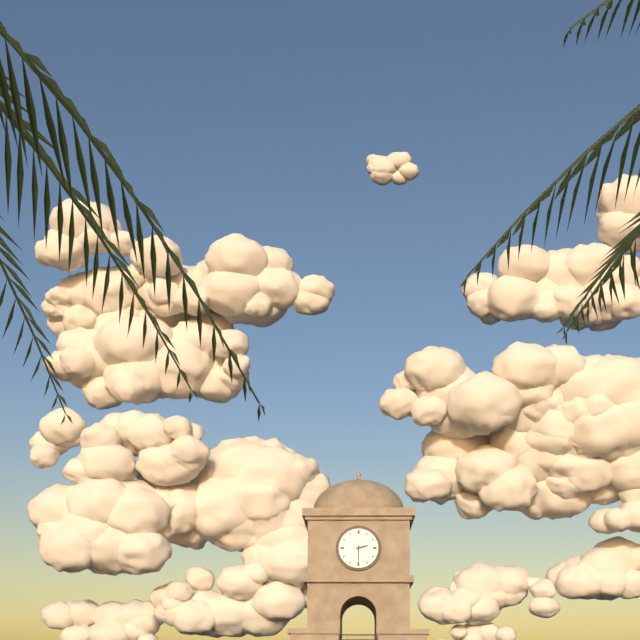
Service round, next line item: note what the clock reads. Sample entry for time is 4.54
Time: 2.30
